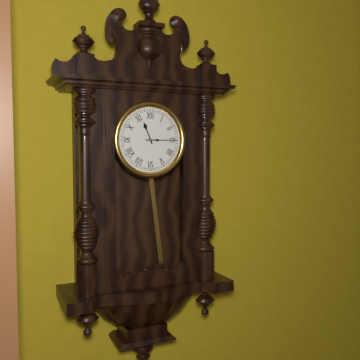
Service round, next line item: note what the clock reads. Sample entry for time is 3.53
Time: 11.15
